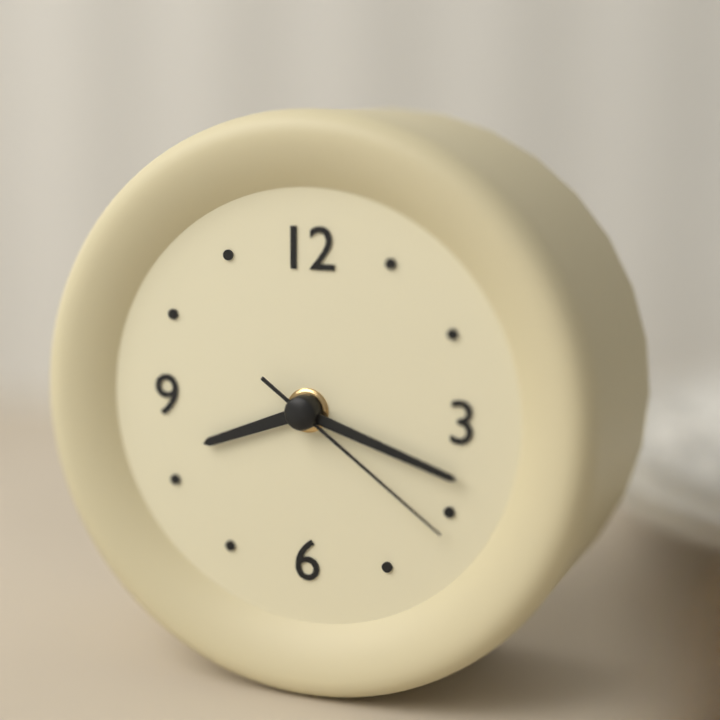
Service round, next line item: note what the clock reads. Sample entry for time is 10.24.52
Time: 8.18.21
